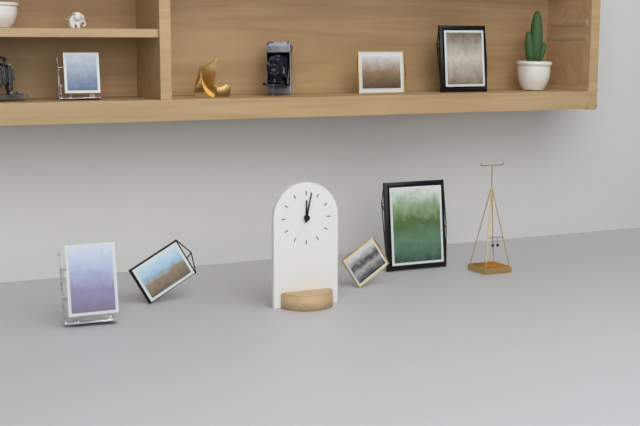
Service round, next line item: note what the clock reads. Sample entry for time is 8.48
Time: 12.02
